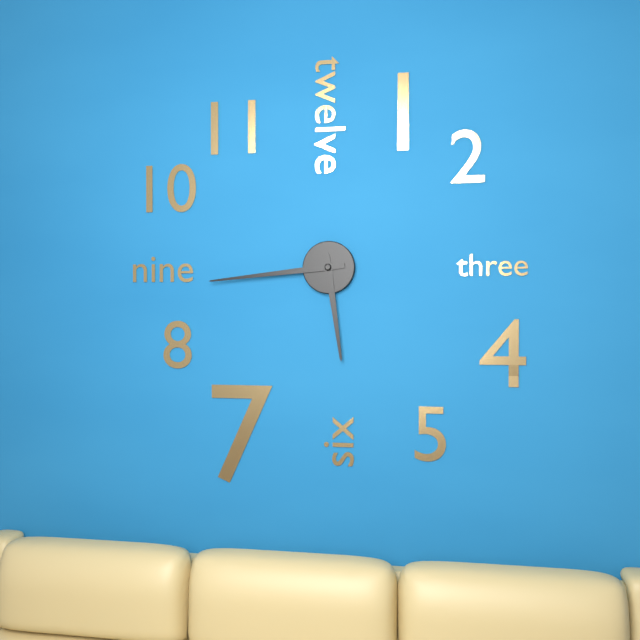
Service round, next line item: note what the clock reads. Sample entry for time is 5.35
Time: 5.44
